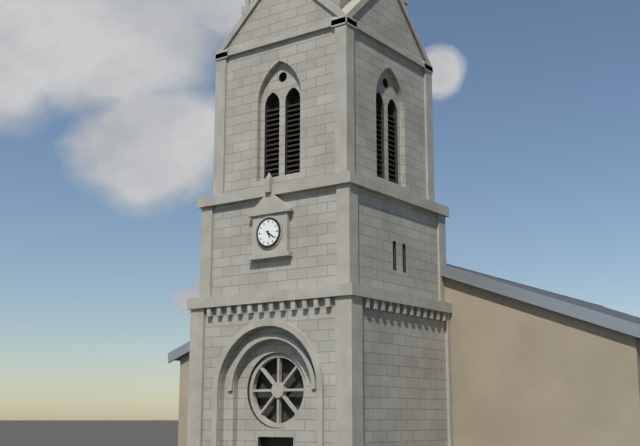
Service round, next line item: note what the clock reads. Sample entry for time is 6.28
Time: 5.21
